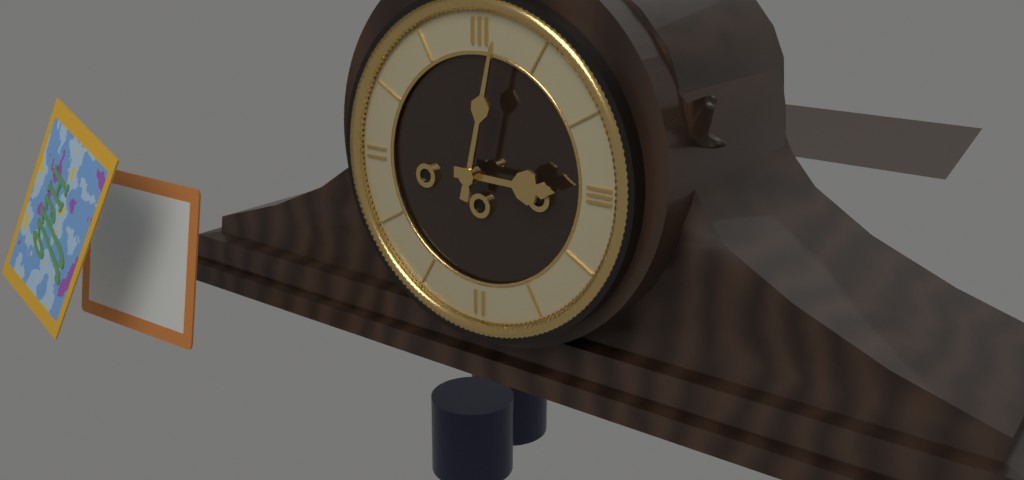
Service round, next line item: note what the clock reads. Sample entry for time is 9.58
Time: 3.02
